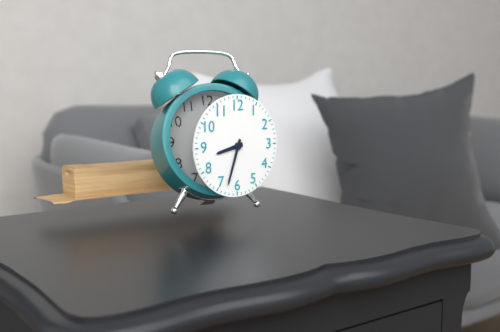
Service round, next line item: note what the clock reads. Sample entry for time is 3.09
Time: 8.33
